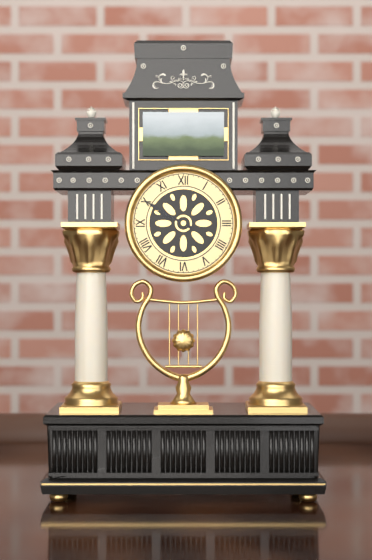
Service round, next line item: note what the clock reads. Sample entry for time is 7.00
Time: 9.50
